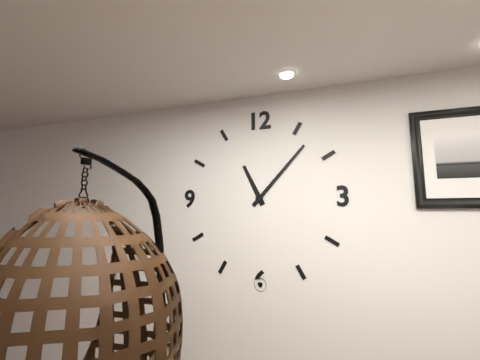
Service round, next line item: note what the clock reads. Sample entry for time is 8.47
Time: 11.07
